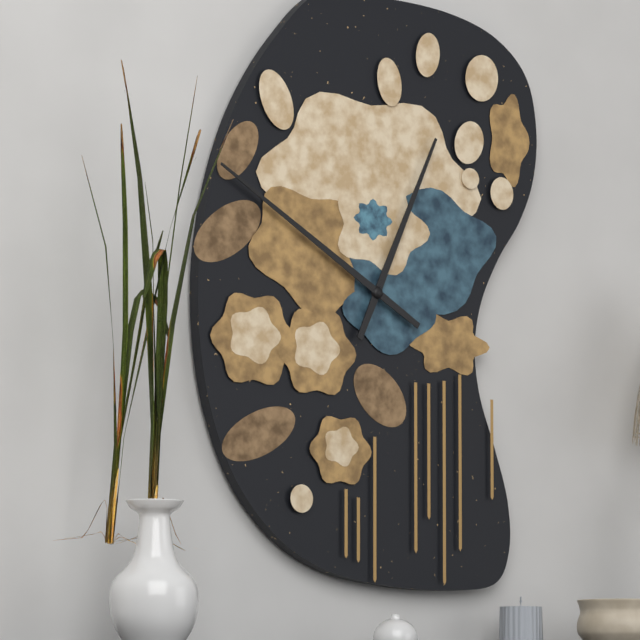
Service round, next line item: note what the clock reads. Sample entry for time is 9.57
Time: 12.50
